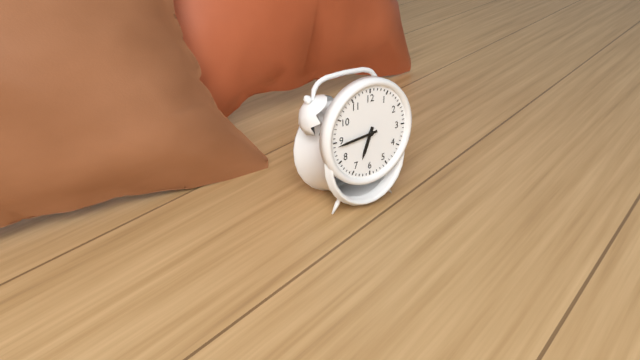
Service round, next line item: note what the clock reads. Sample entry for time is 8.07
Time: 6.44
